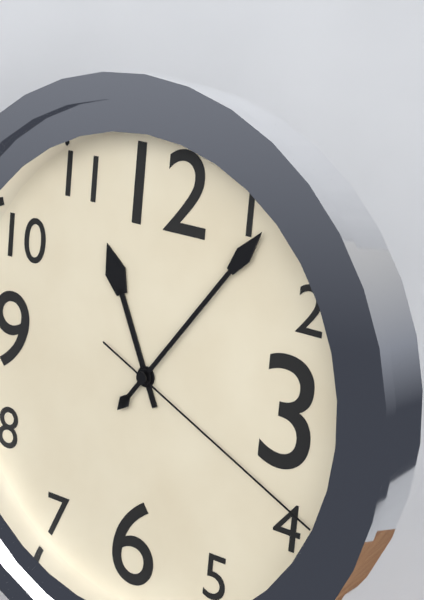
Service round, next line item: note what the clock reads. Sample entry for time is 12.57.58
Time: 11.06.19
